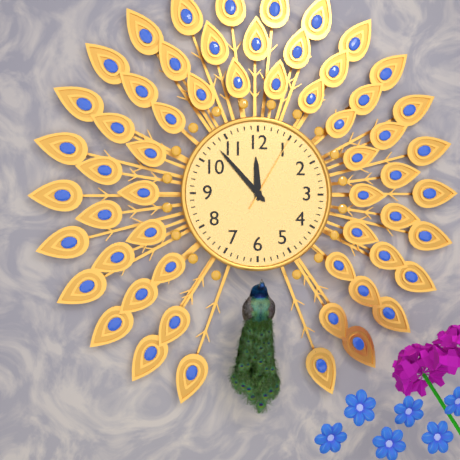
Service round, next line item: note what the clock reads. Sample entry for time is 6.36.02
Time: 11.53.05
